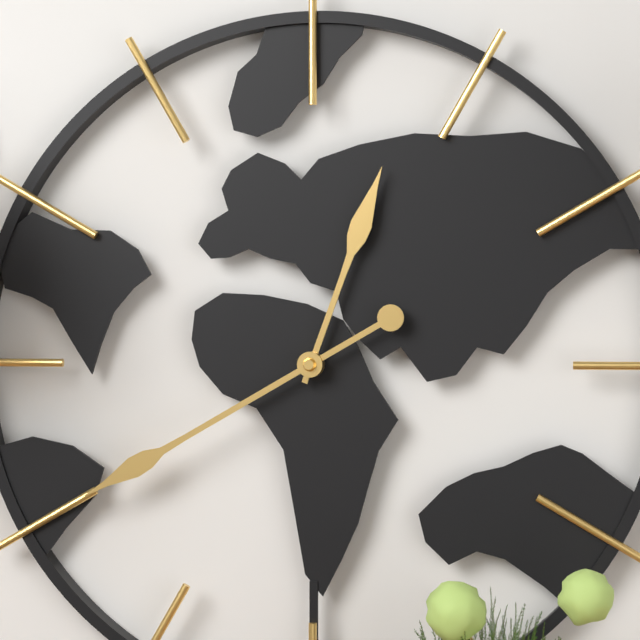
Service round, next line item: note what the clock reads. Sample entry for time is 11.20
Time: 12.40
